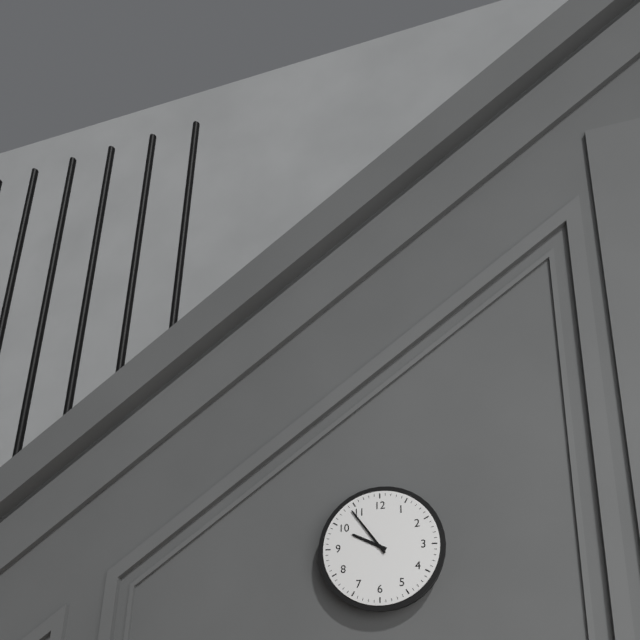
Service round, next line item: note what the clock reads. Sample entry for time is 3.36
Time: 9.54
